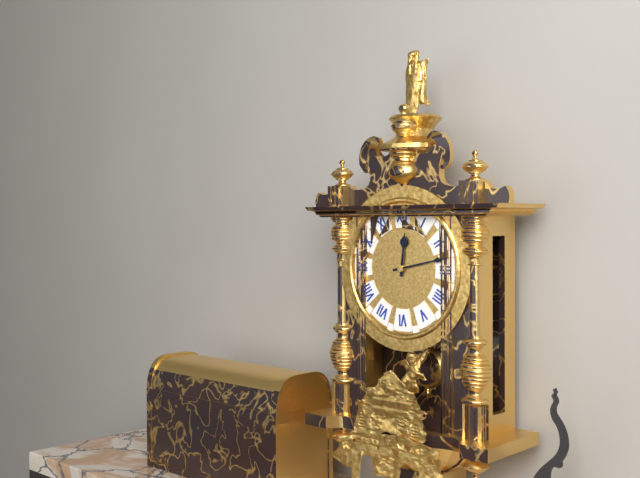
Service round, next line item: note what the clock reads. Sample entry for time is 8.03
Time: 12.13
